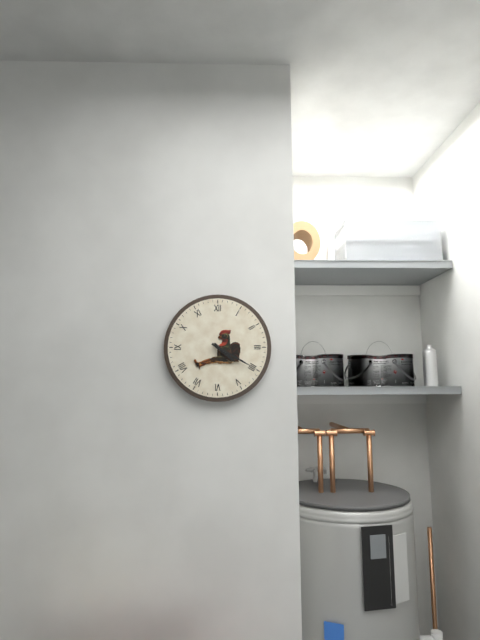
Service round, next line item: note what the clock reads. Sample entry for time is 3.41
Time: 4.20
